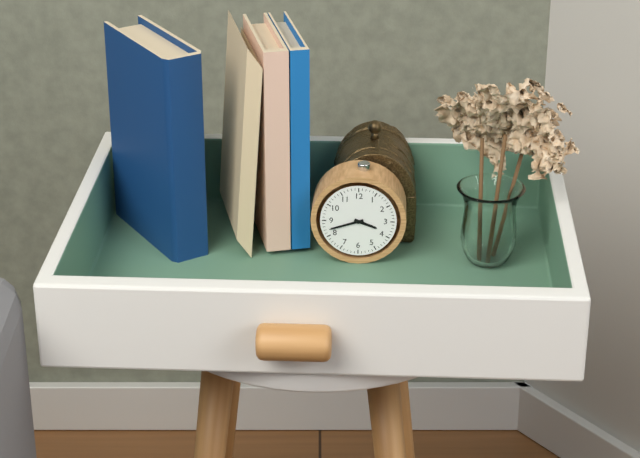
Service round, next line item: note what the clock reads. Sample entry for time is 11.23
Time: 3.42
